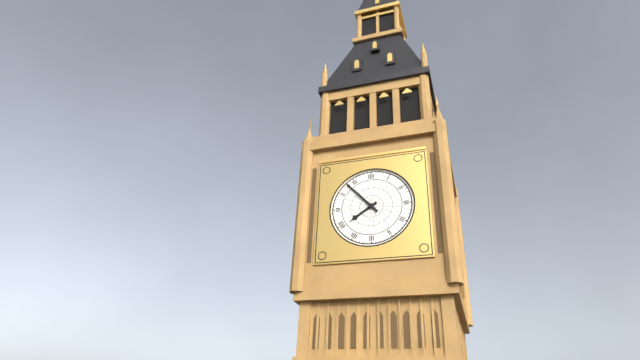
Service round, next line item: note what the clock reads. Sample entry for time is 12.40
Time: 7.53
